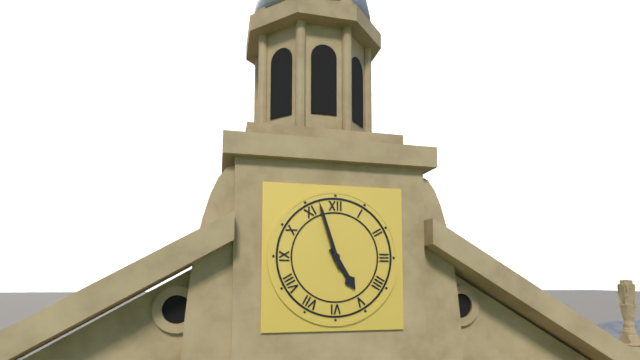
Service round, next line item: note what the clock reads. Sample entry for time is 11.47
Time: 4.57
